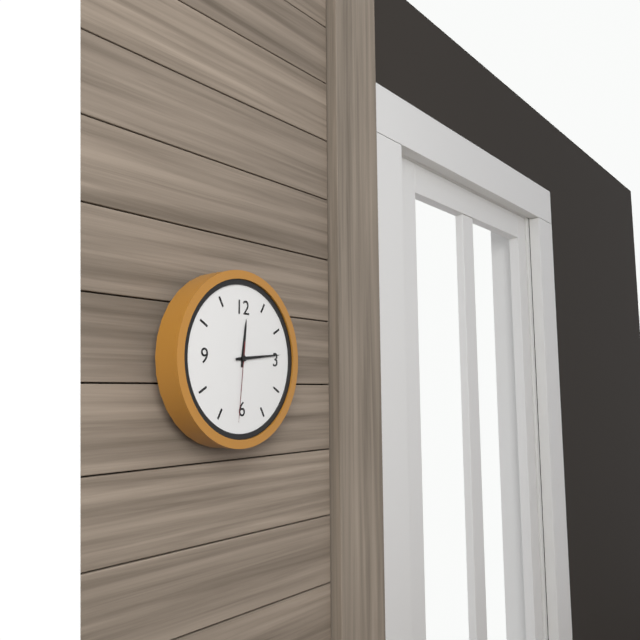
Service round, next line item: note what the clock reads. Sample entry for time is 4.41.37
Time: 12.14.31
